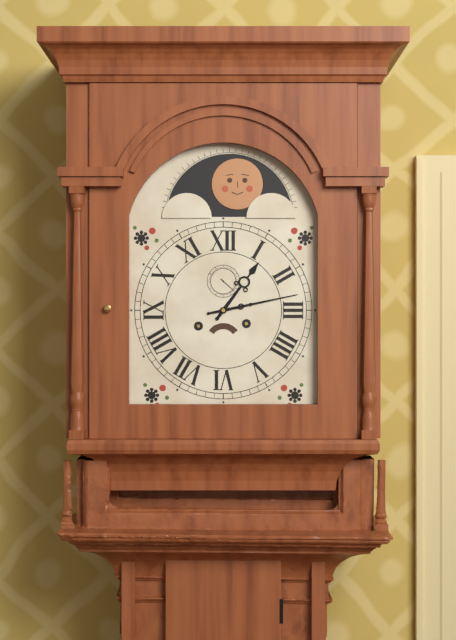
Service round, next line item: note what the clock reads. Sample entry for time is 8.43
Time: 1.13
